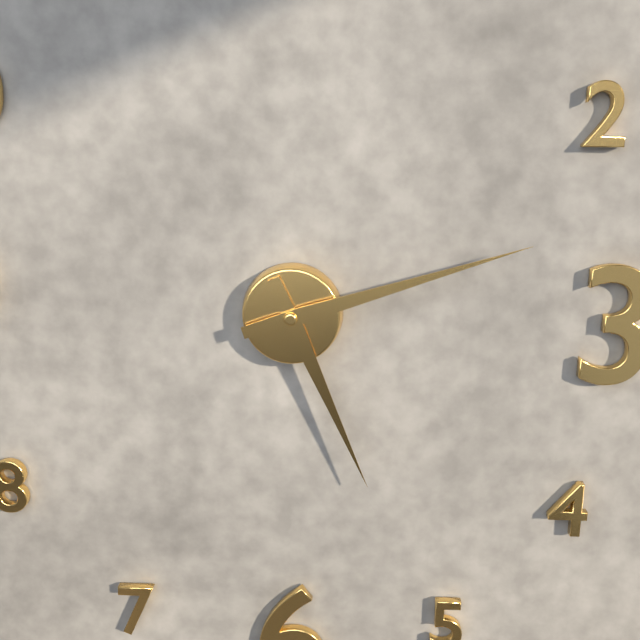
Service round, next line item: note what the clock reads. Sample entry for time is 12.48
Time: 5.12
